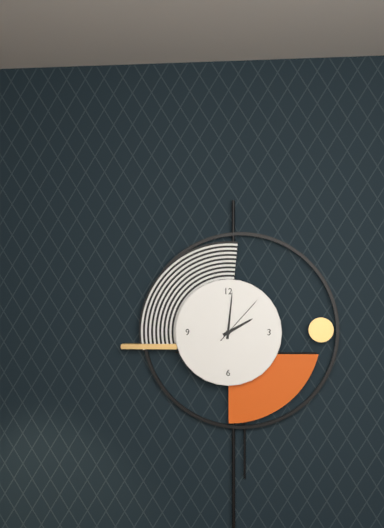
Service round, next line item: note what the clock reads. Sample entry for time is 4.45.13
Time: 2.01.07
